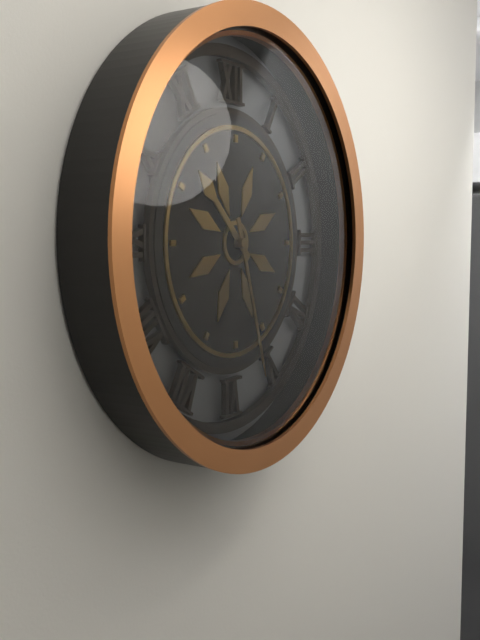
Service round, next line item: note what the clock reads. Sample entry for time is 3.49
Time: 10.27
